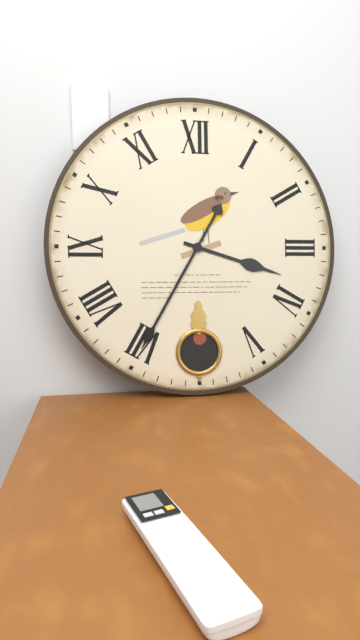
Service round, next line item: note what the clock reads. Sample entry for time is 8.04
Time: 3.35
